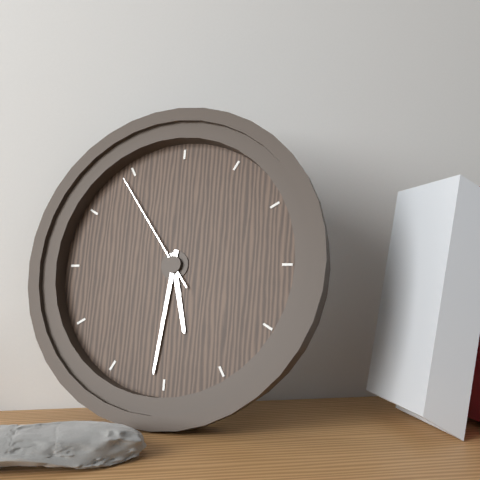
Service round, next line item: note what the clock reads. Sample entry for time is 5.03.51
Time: 5.31.54
